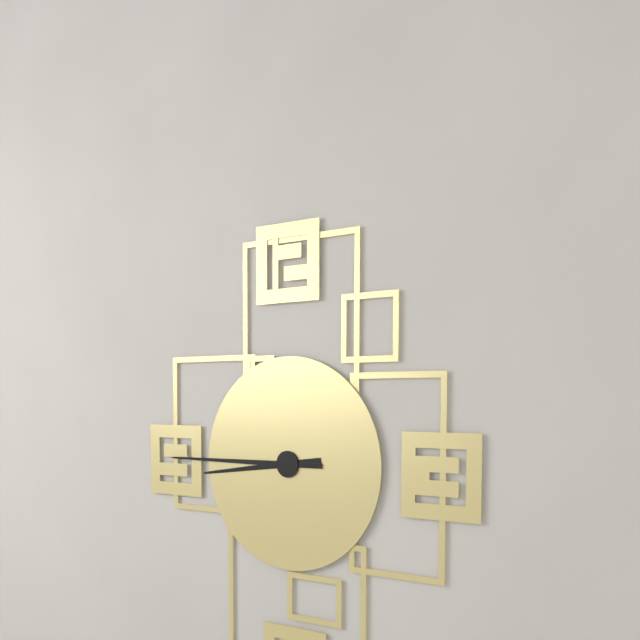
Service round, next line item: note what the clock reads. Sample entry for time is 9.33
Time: 8.45
